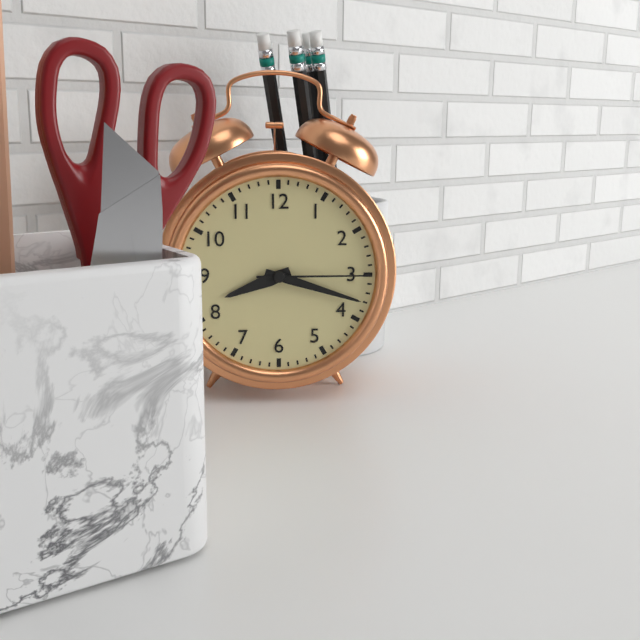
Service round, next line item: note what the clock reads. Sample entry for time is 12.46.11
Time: 8.18.15
